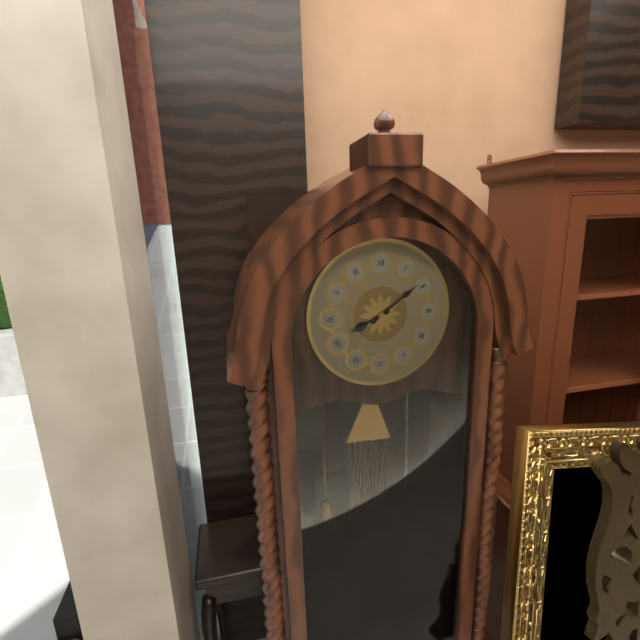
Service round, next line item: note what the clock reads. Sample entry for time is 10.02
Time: 8.09
